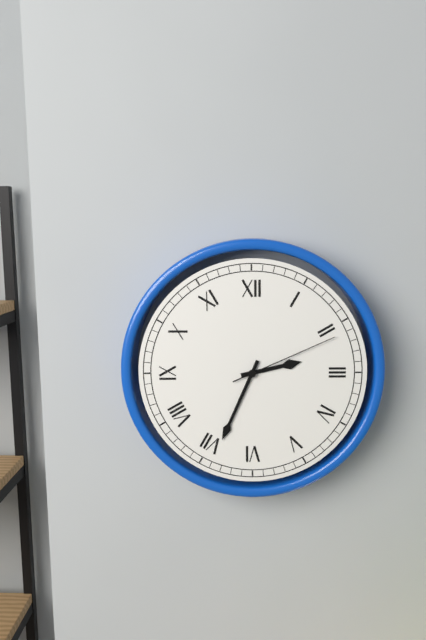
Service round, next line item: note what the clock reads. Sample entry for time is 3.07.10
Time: 2.34.11
